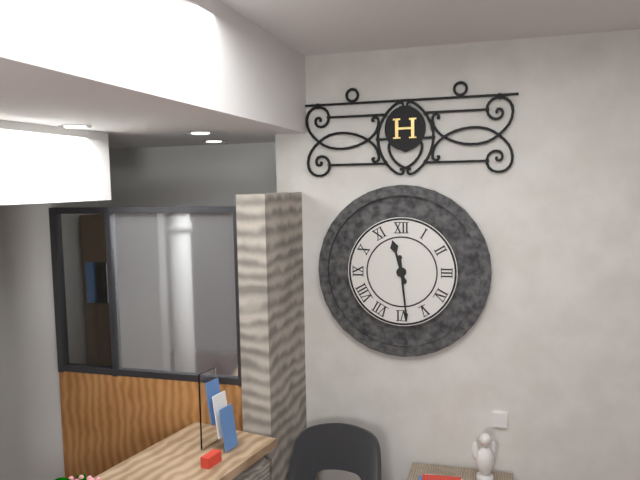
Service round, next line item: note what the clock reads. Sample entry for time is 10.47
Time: 11.29
